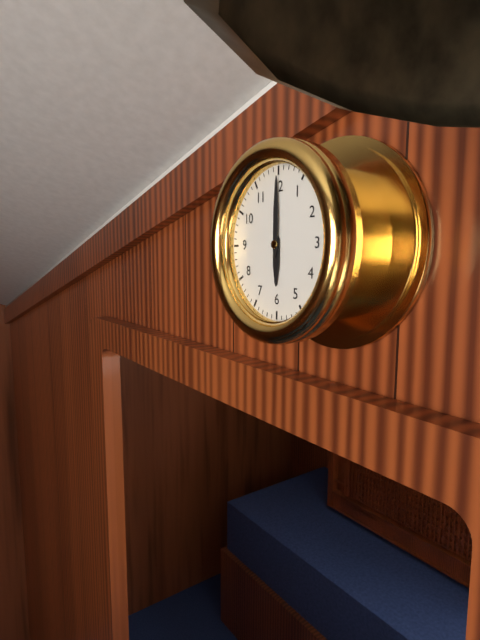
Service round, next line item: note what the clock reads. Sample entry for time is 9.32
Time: 6.00
